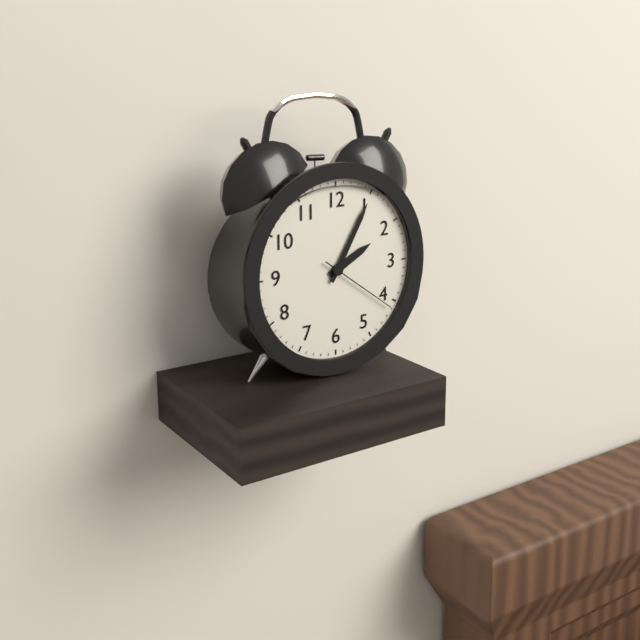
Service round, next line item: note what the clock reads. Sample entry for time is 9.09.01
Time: 2.05.21
